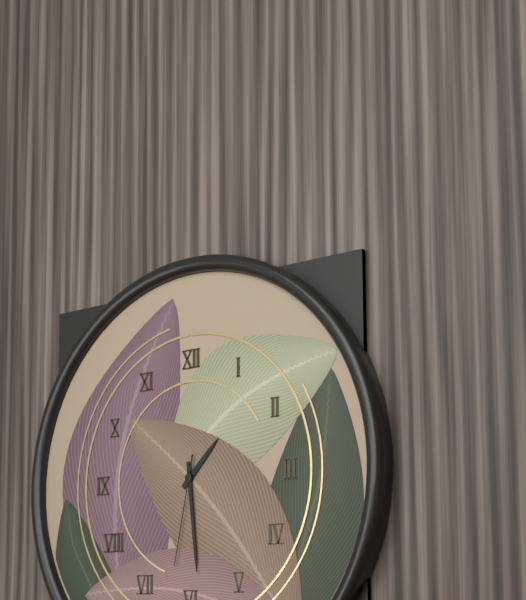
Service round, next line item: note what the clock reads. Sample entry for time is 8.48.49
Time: 1.29.32
